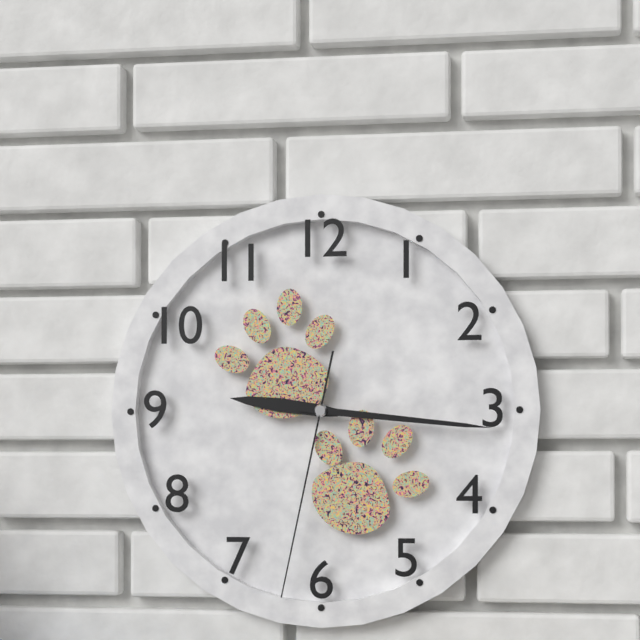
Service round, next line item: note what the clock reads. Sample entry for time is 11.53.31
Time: 9.16.32
